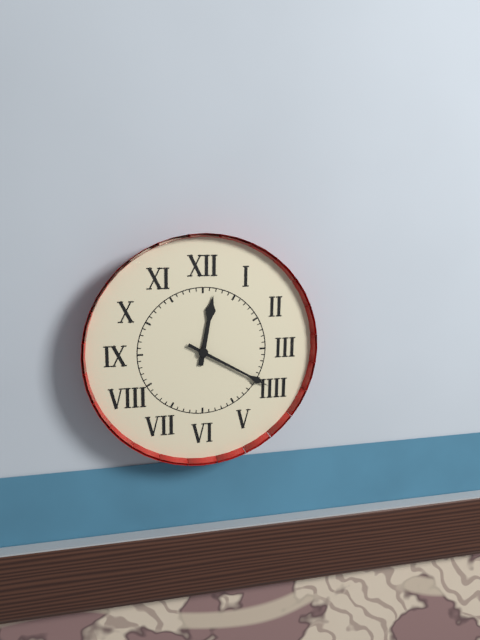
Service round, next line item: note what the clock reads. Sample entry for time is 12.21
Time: 12.20
